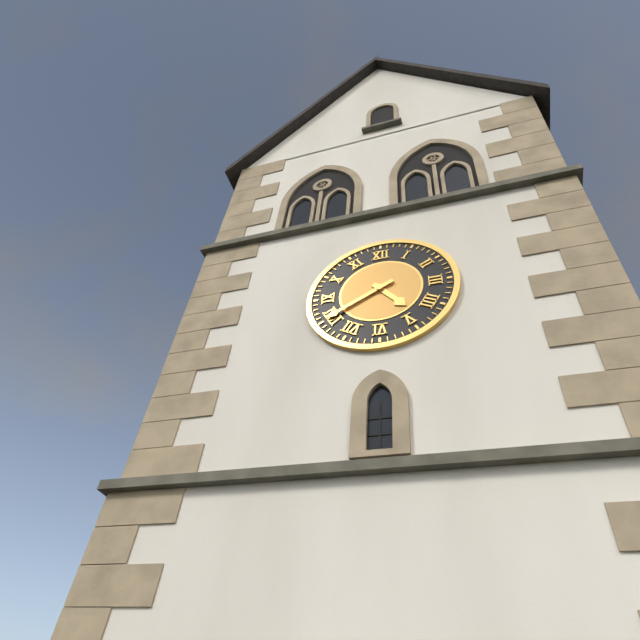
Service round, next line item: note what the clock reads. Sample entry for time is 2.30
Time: 4.40
